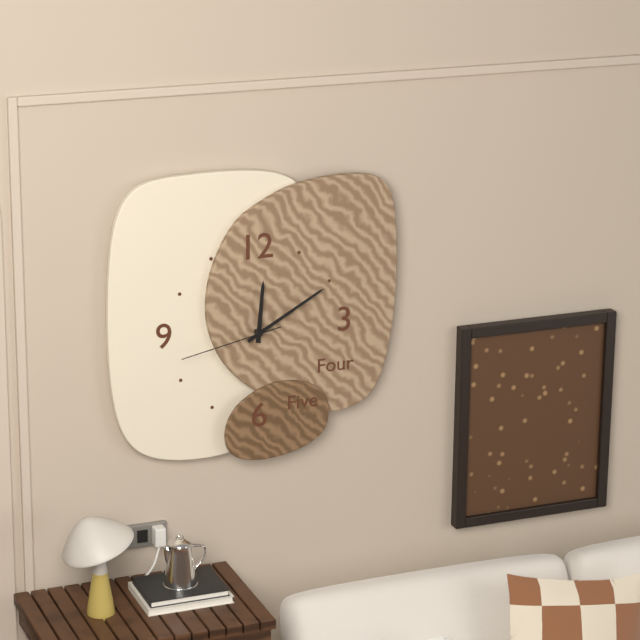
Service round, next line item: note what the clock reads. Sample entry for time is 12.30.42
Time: 12.10.43
